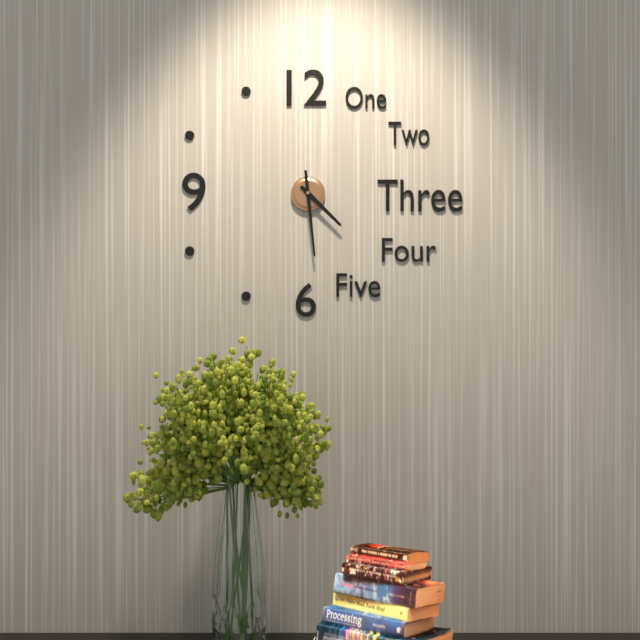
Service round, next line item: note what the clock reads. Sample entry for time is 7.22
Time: 4.29
